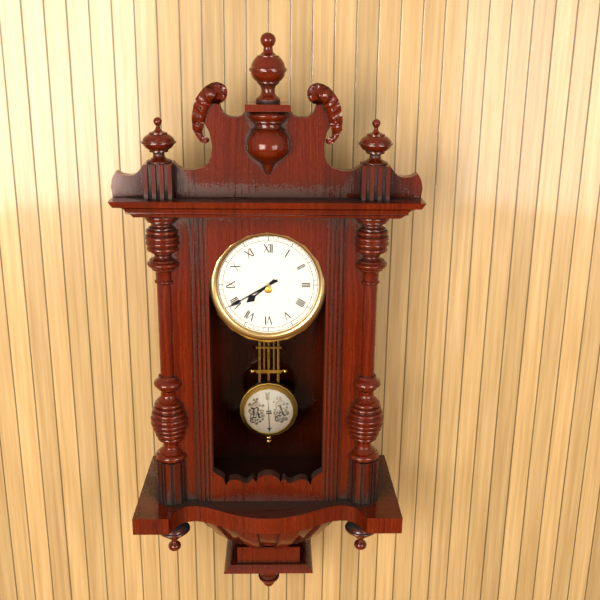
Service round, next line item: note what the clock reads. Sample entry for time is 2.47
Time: 7.40
